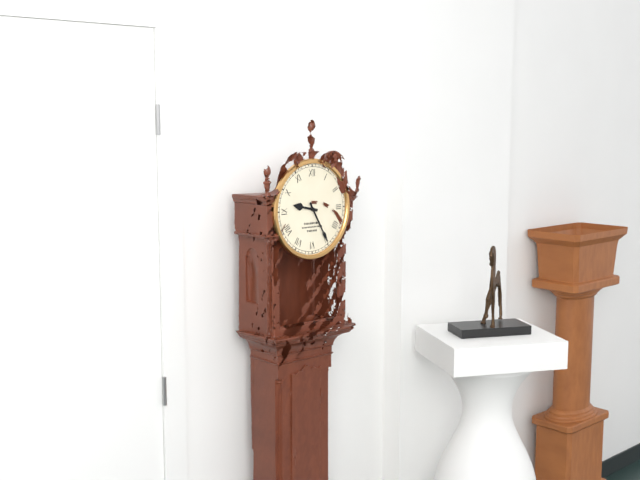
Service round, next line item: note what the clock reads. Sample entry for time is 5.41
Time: 9.25
